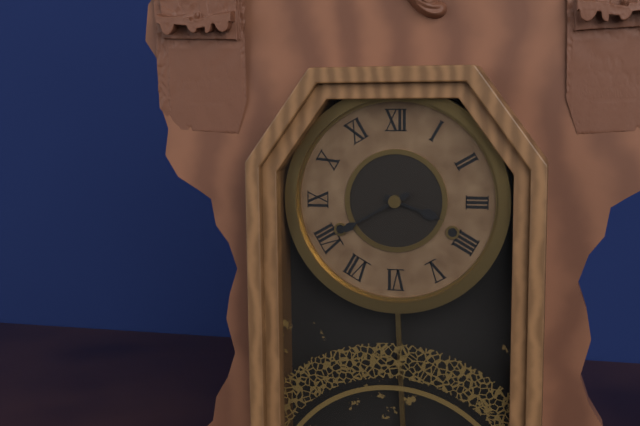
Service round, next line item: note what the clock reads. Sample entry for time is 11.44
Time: 3.40
